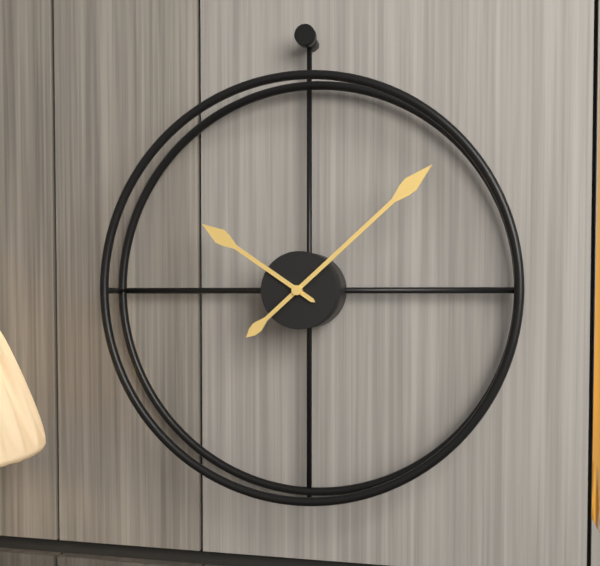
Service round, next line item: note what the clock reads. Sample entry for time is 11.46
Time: 10.08
